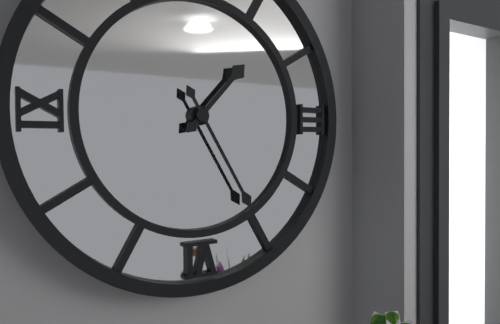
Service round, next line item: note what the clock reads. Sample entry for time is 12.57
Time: 1.25
